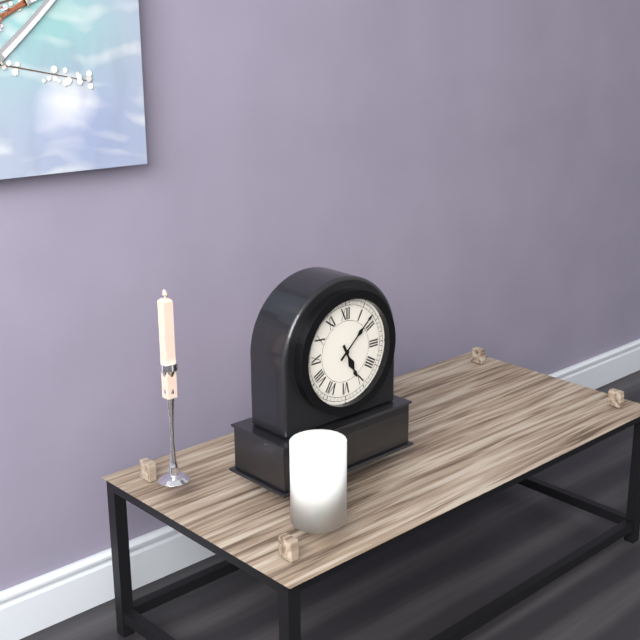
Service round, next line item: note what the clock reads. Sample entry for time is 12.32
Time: 5.08
